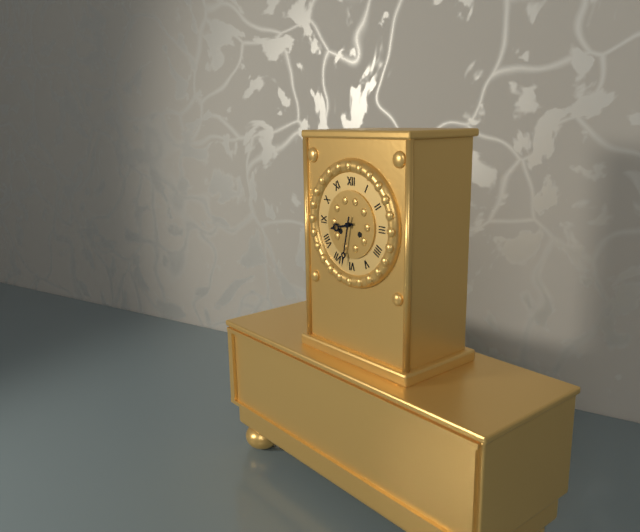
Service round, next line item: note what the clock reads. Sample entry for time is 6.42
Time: 8.32
